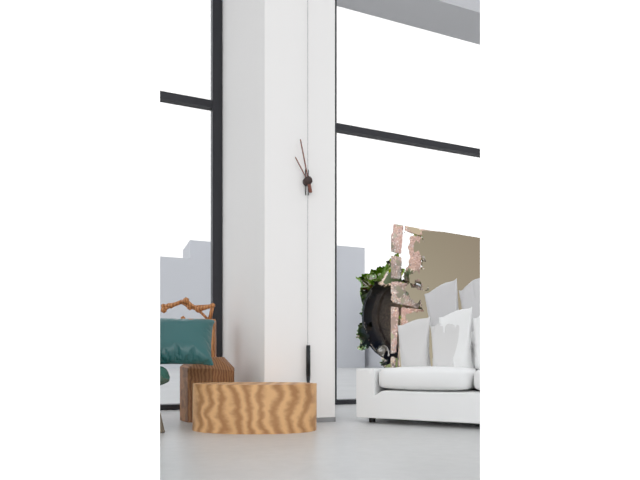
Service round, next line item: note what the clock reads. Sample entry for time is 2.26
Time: 10.58
